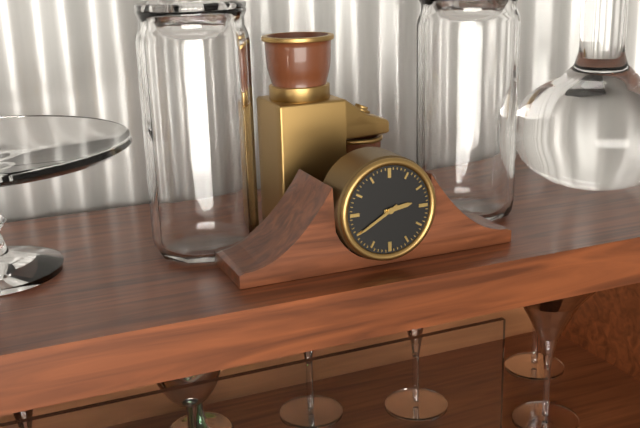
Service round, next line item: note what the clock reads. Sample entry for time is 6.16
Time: 2.40
